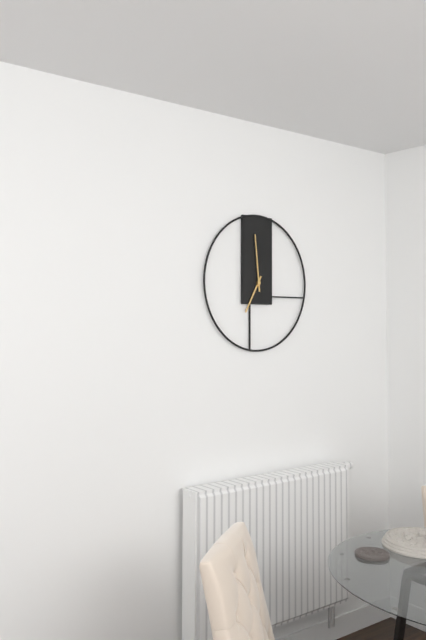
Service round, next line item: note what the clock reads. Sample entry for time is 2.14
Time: 6.59
